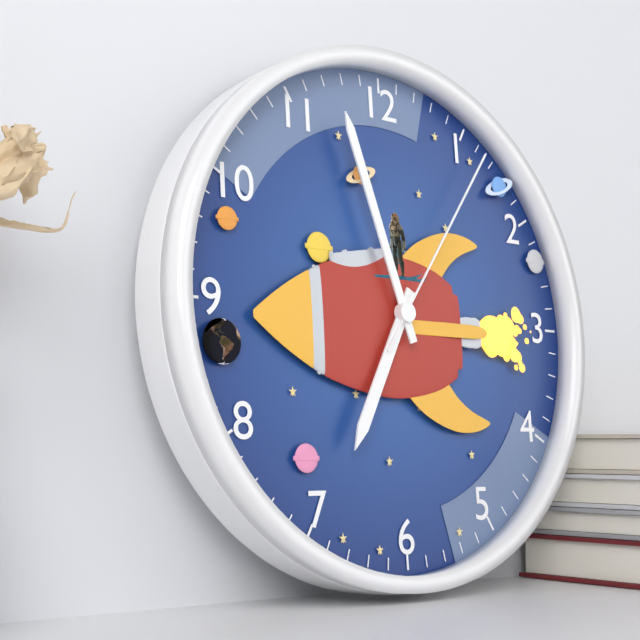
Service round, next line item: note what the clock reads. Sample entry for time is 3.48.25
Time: 6.57.06
